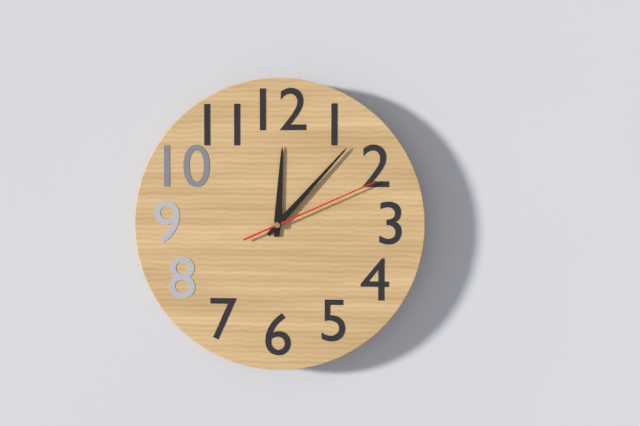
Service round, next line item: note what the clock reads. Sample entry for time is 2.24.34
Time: 12.07.11
